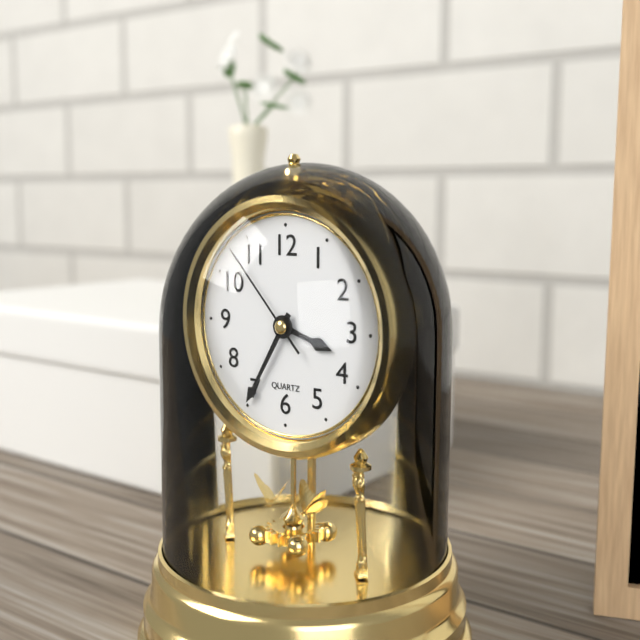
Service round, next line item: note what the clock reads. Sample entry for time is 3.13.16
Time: 3.35.53
